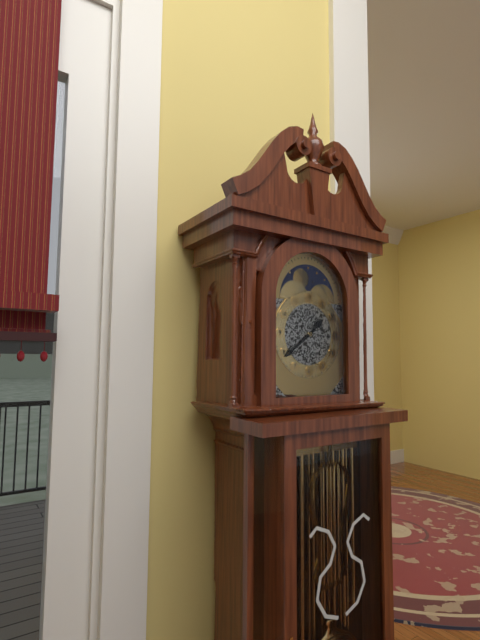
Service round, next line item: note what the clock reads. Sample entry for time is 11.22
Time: 1.39
